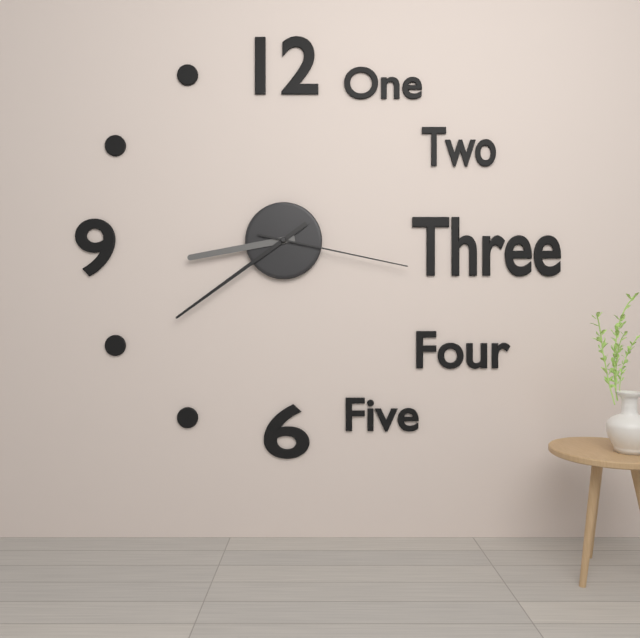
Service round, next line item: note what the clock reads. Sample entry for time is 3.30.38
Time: 8.39.17
